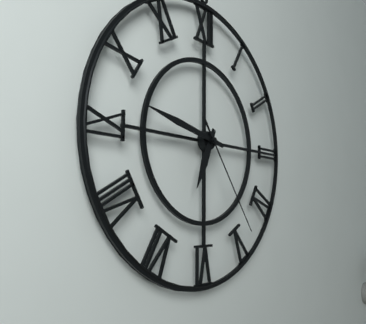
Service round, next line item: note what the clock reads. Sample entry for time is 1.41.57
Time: 6.47.24
